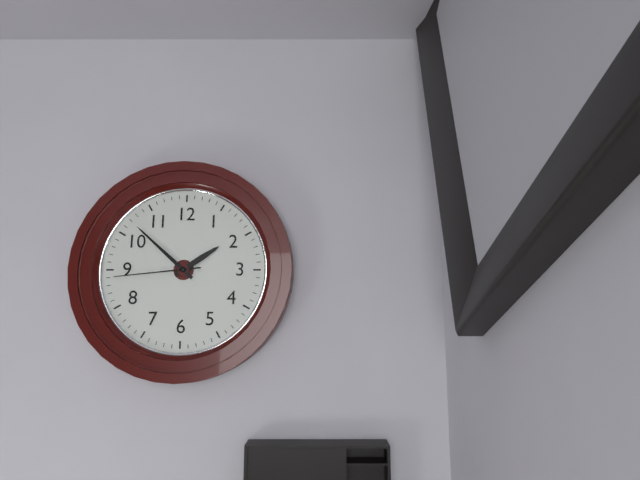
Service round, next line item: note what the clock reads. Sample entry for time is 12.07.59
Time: 1.52.44
